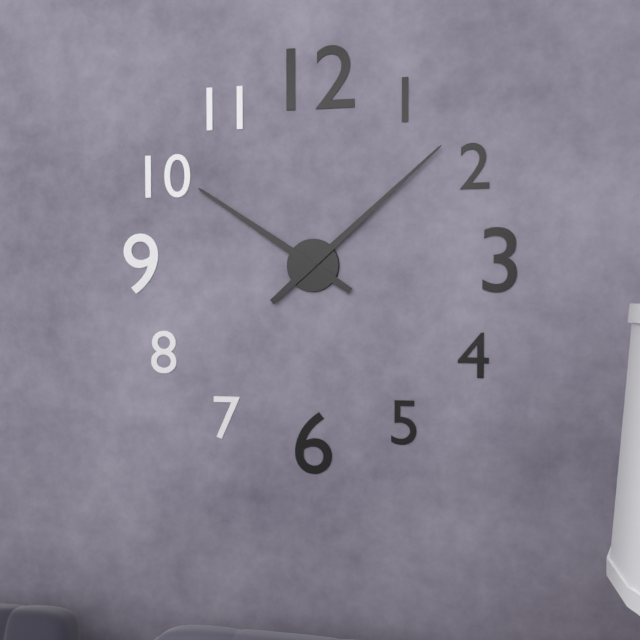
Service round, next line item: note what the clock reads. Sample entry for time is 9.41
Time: 10.08
